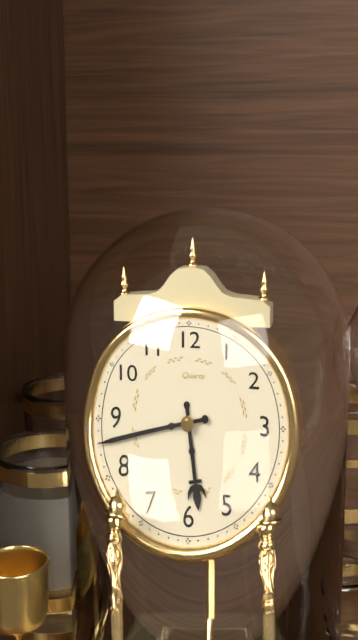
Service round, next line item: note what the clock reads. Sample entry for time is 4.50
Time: 5.43
